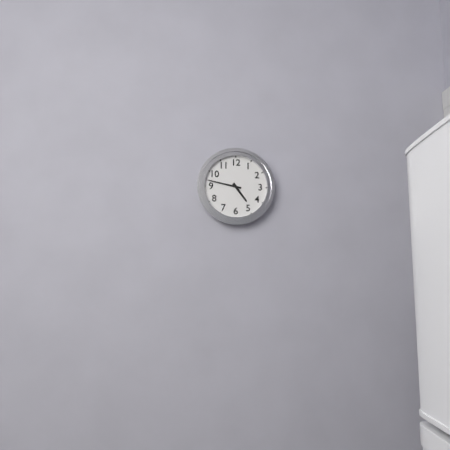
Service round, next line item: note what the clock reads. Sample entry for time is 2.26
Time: 4.47
